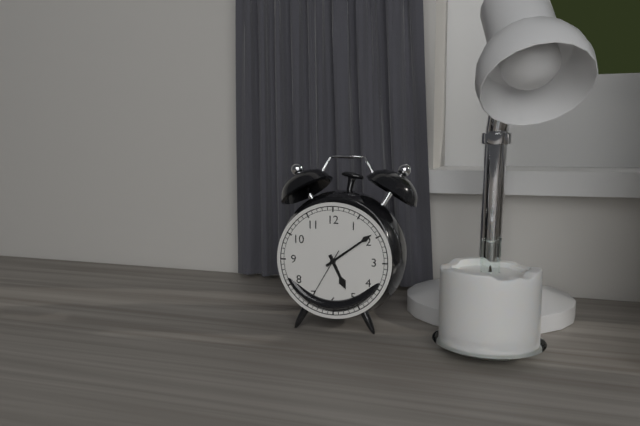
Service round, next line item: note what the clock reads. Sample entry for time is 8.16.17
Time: 5.09.35
